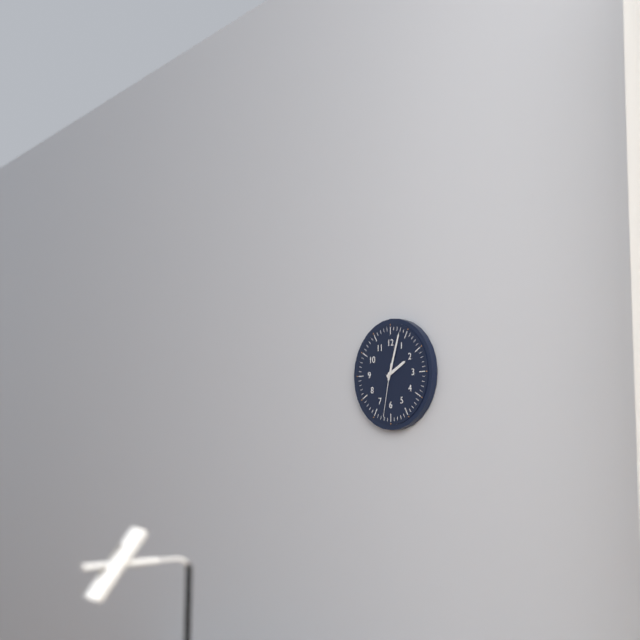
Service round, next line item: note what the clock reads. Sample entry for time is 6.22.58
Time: 2.03.32
